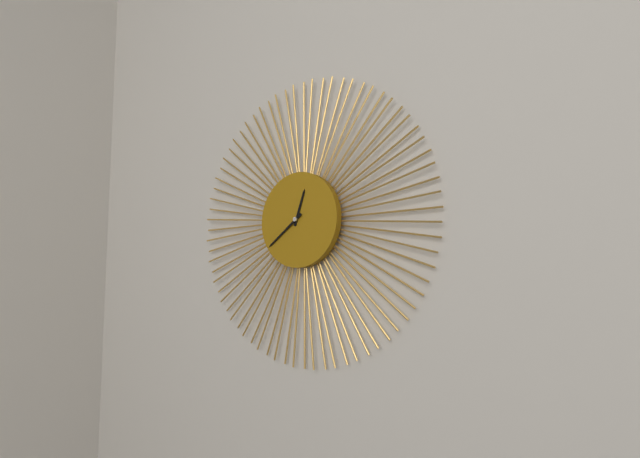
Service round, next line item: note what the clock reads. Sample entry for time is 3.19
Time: 12.39
